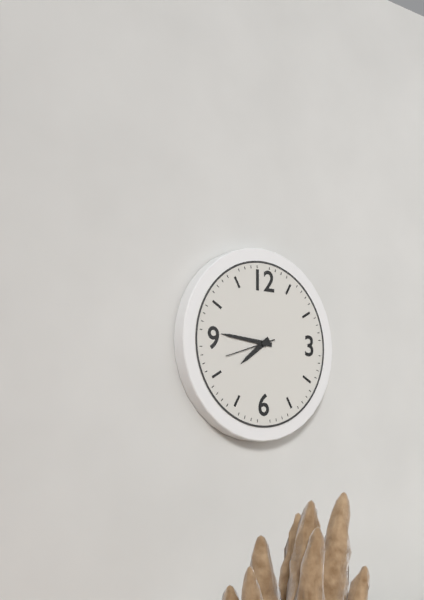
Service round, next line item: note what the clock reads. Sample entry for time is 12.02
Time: 7.46
